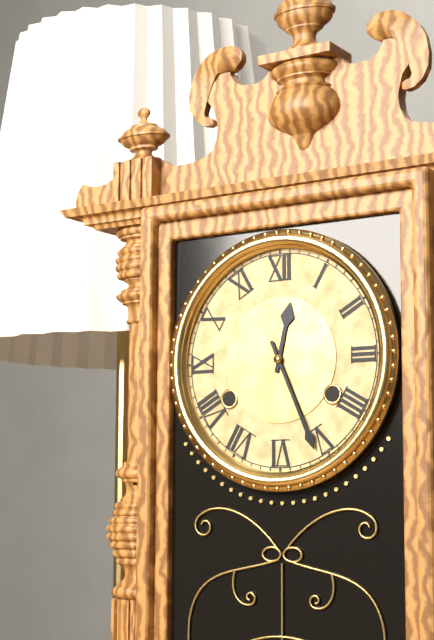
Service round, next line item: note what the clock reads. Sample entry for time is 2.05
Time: 12.26
